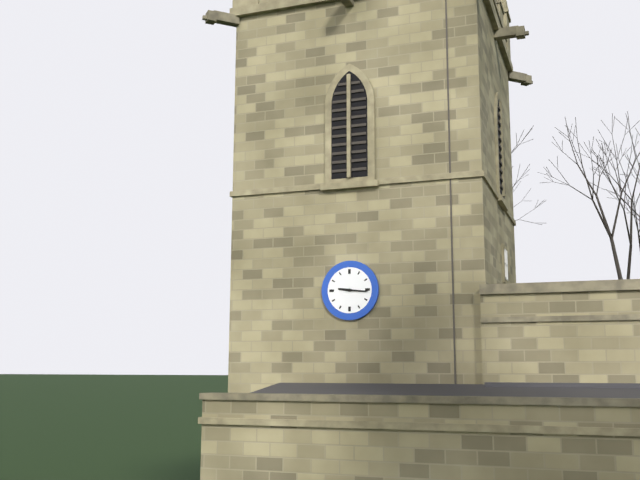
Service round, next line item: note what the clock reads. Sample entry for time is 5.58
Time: 9.16
